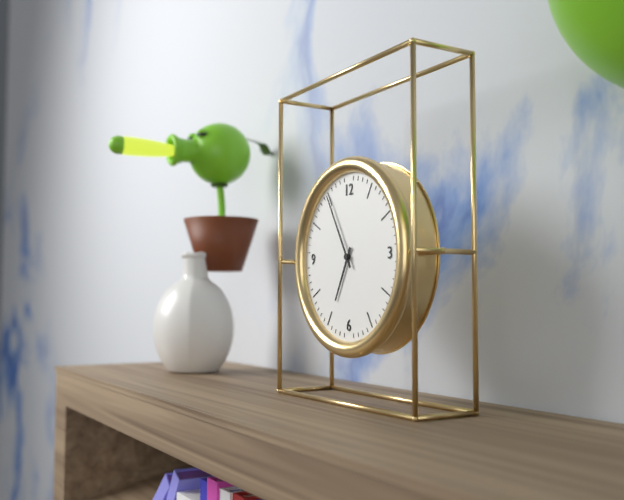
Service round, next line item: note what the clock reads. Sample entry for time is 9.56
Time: 6.55
